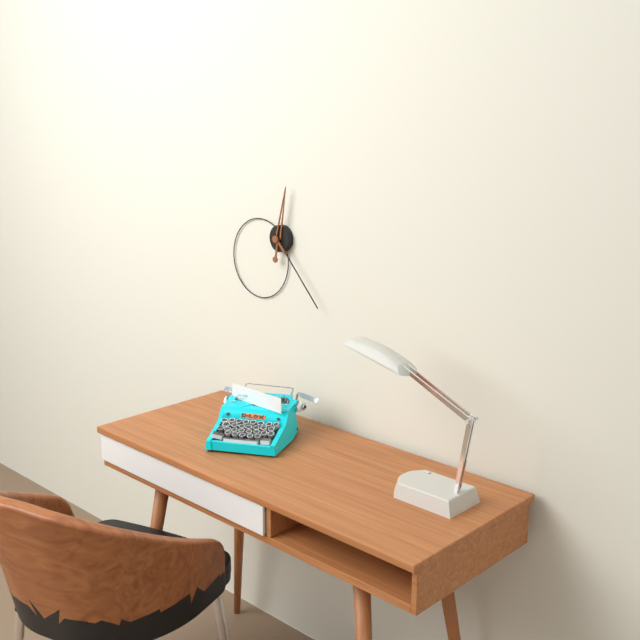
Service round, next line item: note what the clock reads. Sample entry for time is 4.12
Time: 12.23
